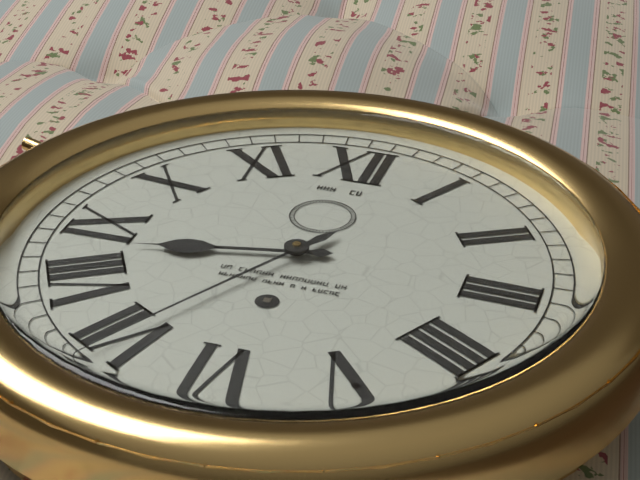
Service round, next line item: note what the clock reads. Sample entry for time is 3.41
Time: 8.35
